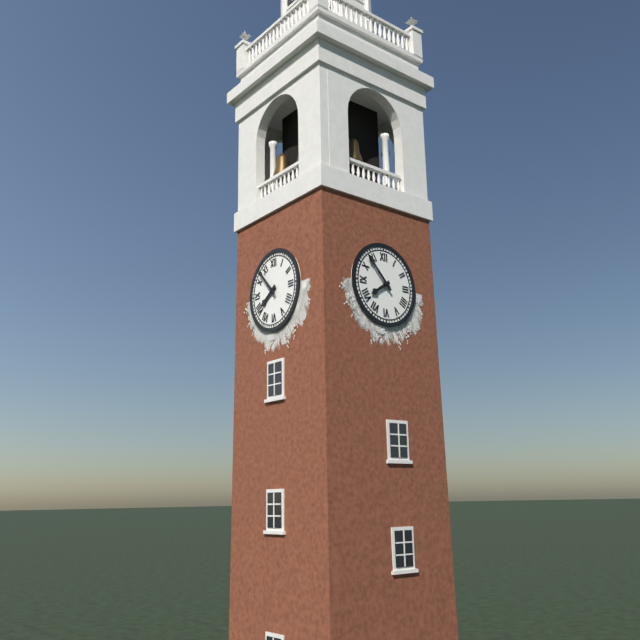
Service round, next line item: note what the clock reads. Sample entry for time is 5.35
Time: 7.53
